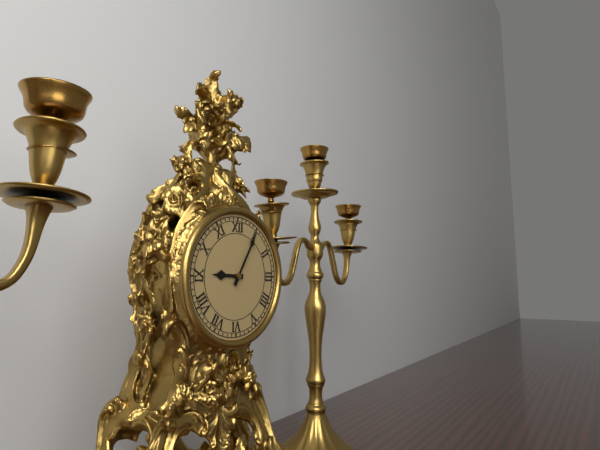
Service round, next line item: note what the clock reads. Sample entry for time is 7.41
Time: 9.05
